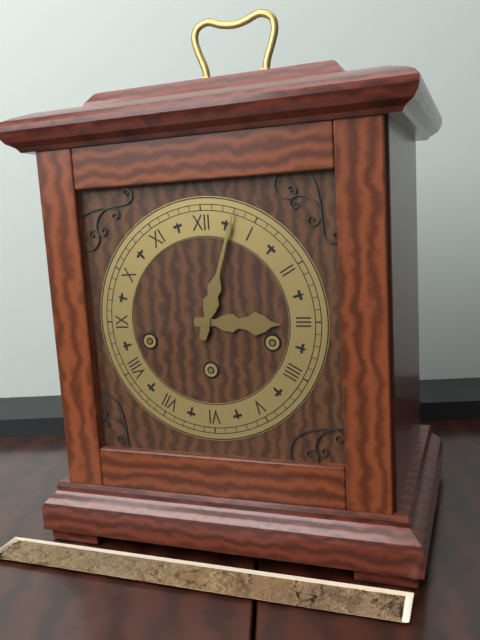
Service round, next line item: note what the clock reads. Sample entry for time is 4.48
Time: 3.03
